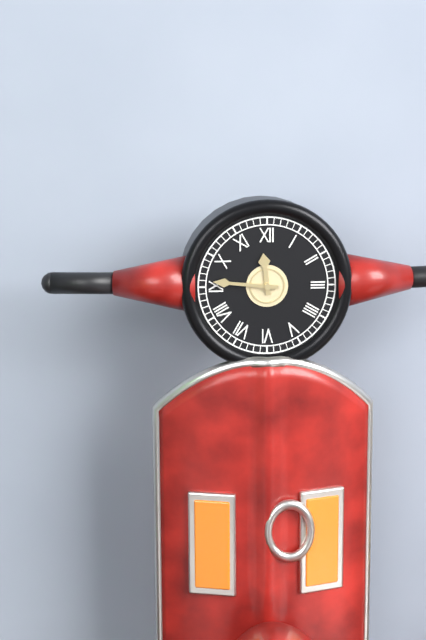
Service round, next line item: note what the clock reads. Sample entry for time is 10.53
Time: 11.46
